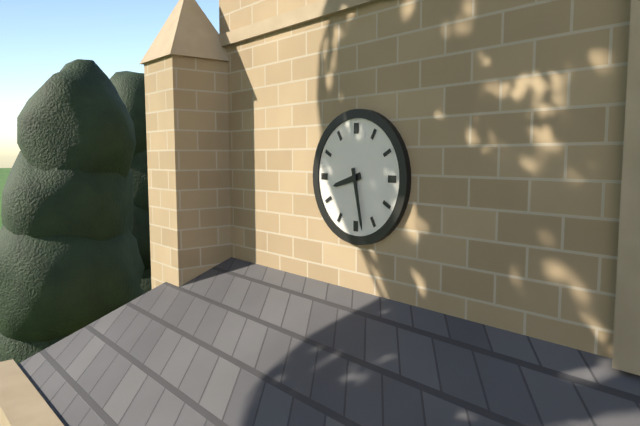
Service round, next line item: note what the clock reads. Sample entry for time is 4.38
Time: 8.28
